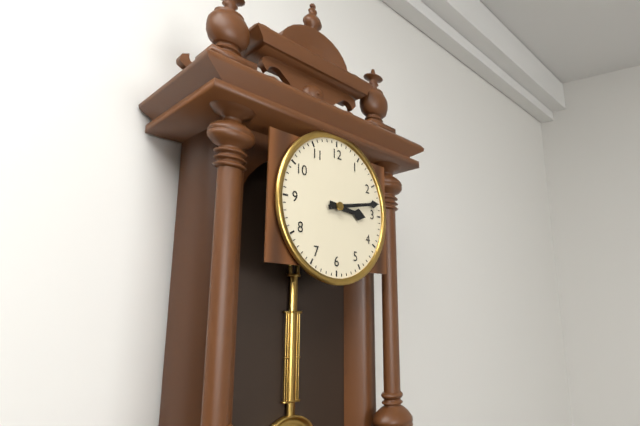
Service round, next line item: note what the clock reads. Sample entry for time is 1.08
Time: 3.13
